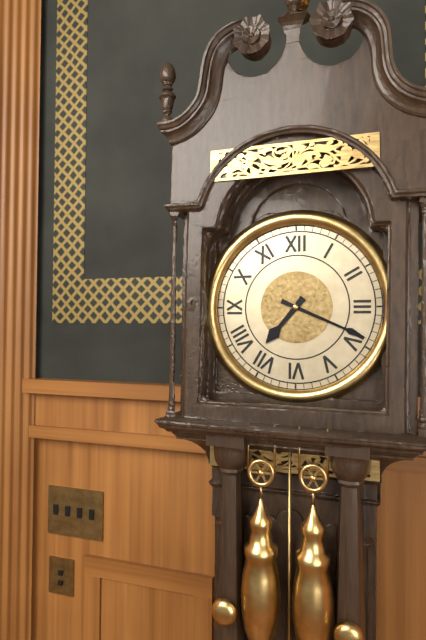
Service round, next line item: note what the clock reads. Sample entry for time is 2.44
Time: 7.19
